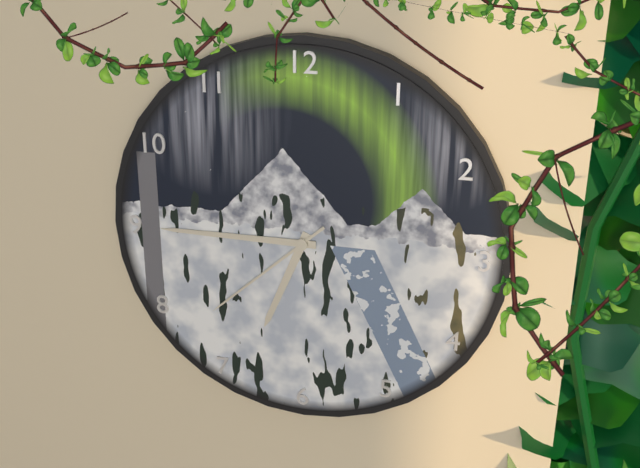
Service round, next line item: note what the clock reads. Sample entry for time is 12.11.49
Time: 6.45.38
